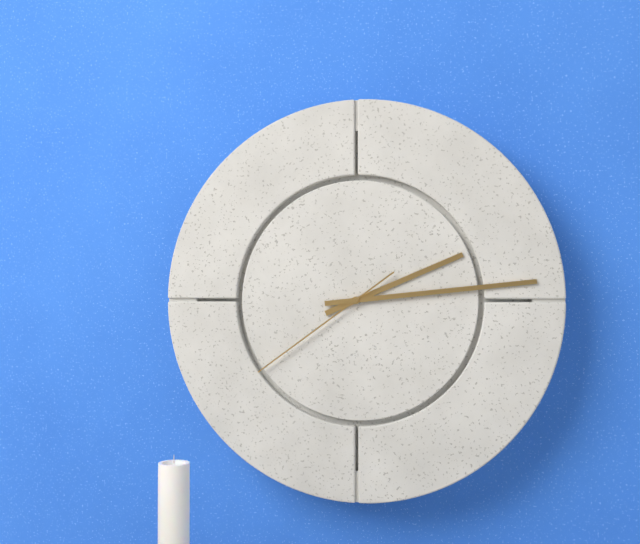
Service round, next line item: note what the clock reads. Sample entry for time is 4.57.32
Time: 2.14.39
